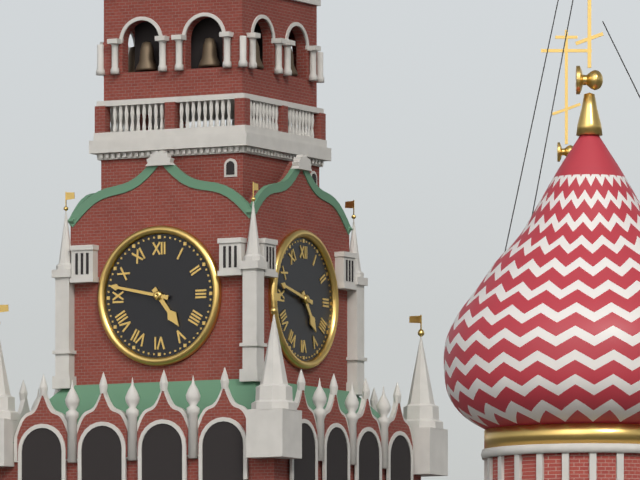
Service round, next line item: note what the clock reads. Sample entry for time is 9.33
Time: 4.47
